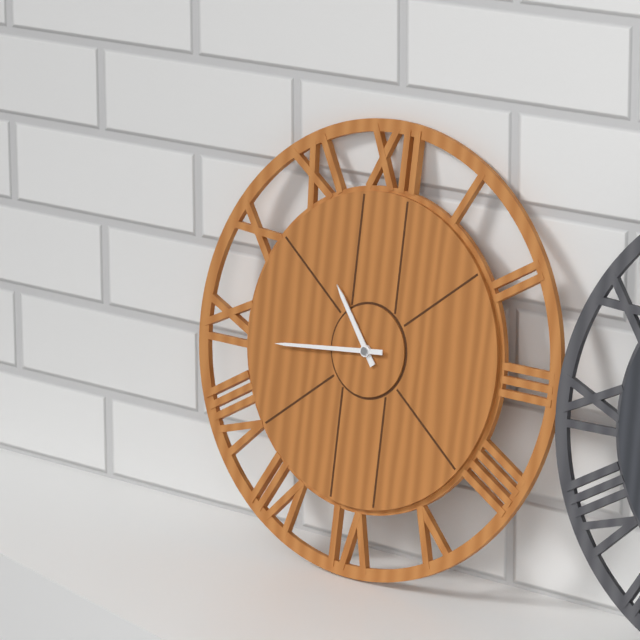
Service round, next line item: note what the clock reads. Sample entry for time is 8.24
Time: 10.44
